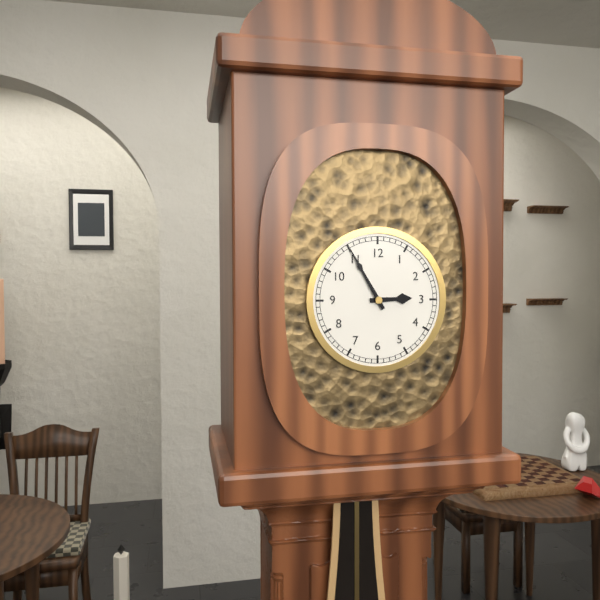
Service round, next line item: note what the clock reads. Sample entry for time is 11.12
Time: 2.55
